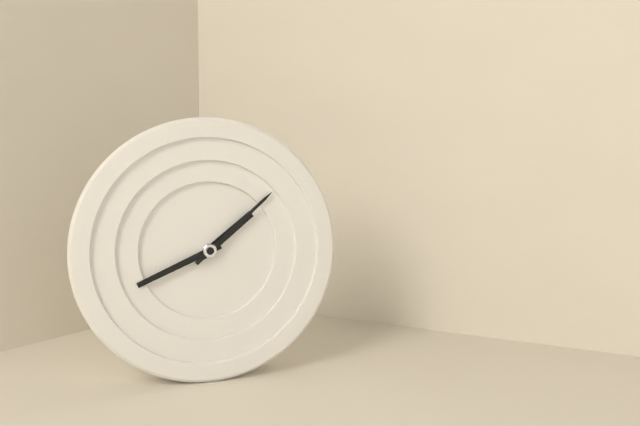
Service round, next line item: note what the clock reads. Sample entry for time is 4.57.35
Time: 1.41.08
